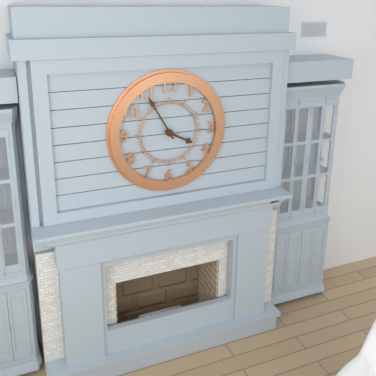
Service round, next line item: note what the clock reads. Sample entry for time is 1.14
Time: 3.55
